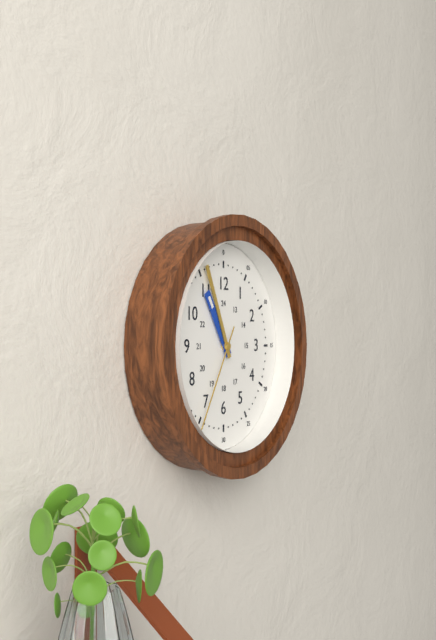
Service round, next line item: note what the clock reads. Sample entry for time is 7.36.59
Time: 10.56.35
